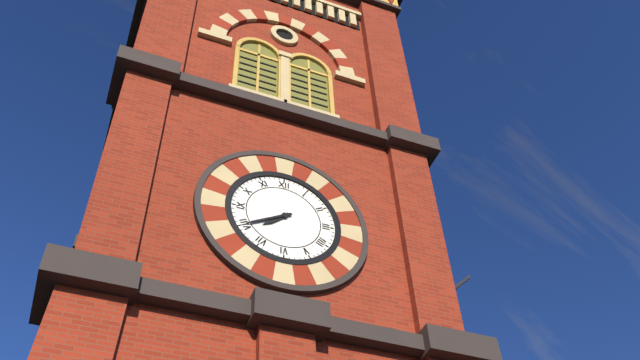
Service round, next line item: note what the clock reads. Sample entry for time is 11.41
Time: 7.40
